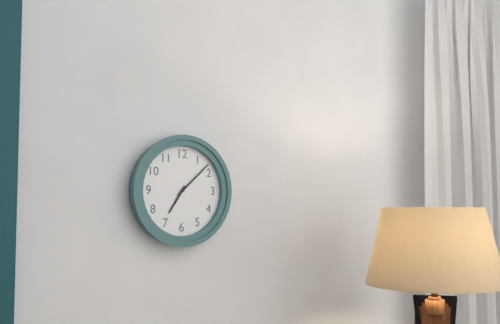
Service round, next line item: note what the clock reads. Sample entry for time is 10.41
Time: 7.08
